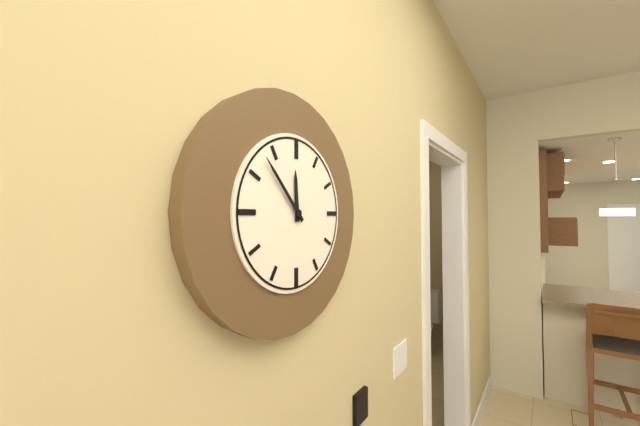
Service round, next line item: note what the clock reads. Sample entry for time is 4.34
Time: 11.53
